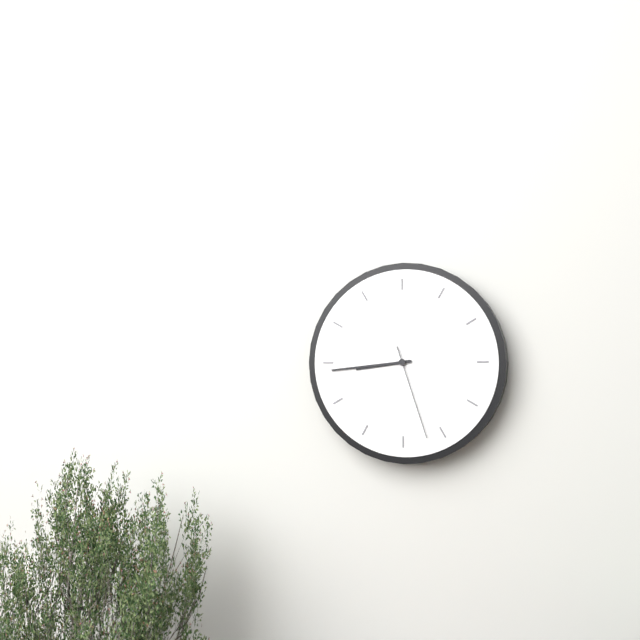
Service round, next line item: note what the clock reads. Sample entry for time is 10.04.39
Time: 8.44.27
